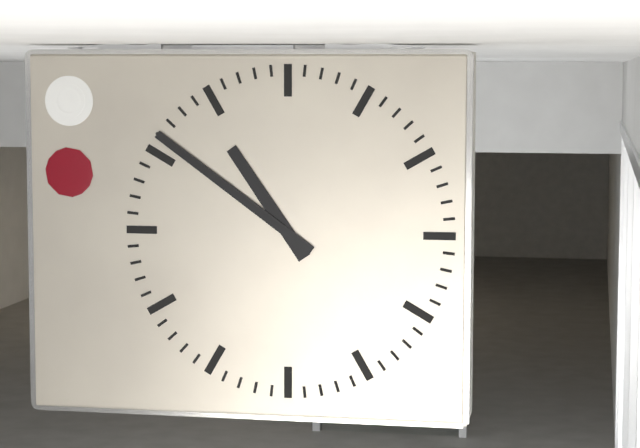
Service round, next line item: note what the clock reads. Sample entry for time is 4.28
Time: 10.51
